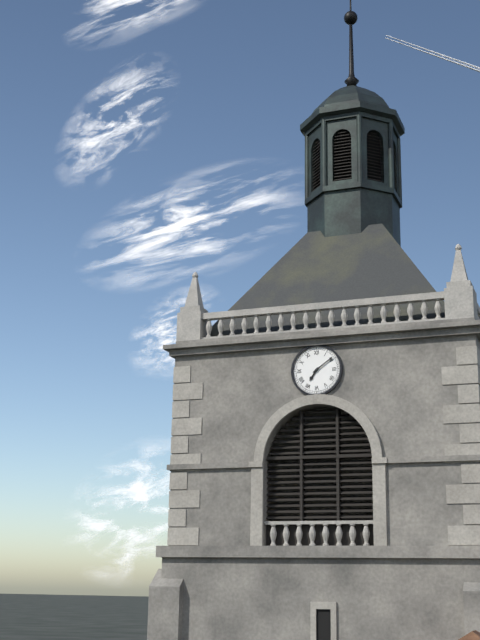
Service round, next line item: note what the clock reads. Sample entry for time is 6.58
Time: 7.09
